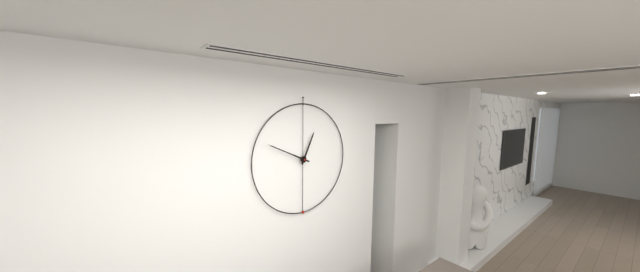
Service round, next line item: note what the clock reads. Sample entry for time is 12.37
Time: 12.49
